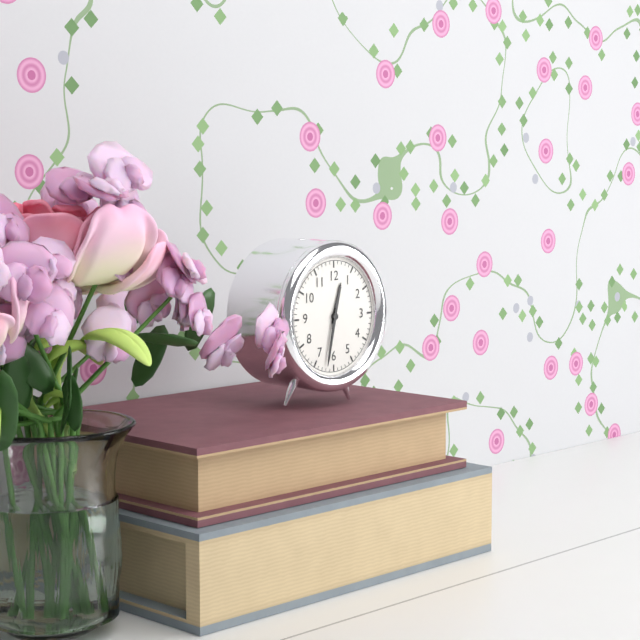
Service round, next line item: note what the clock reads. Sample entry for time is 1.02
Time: 12.32
